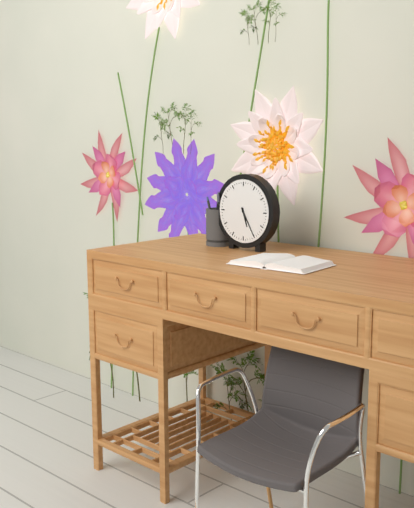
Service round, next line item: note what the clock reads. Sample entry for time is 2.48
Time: 5.25
